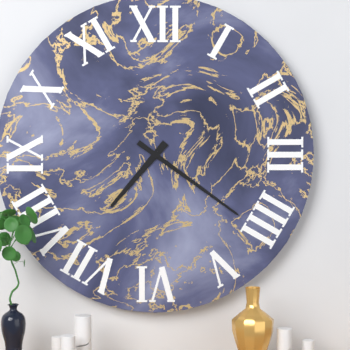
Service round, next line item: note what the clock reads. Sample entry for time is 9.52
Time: 7.21
